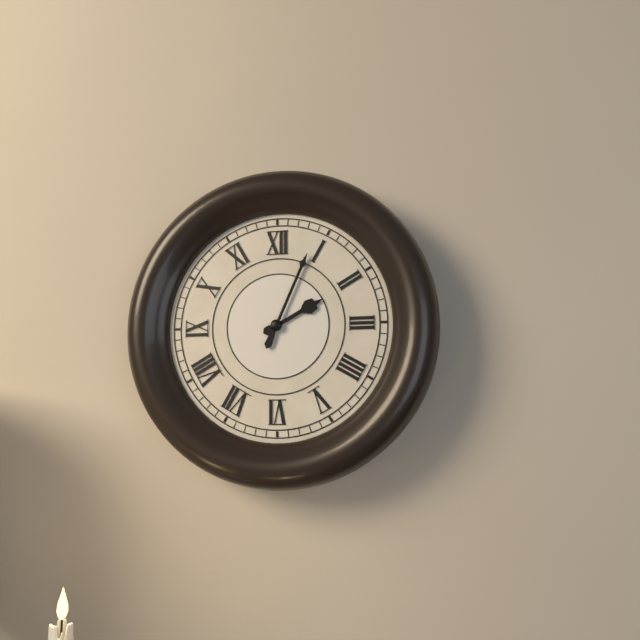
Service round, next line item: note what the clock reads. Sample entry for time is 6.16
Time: 2.04
